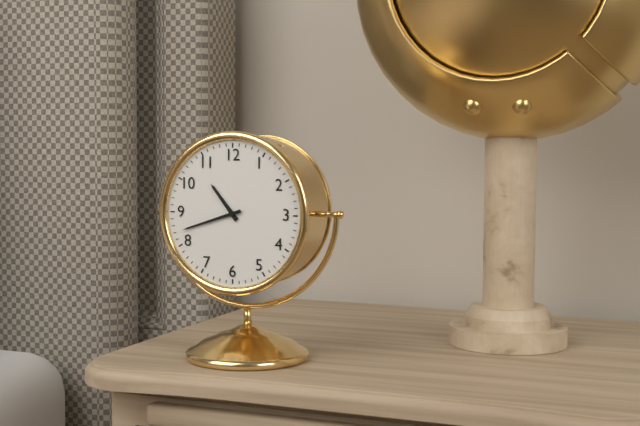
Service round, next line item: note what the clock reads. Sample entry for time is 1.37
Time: 10.42
